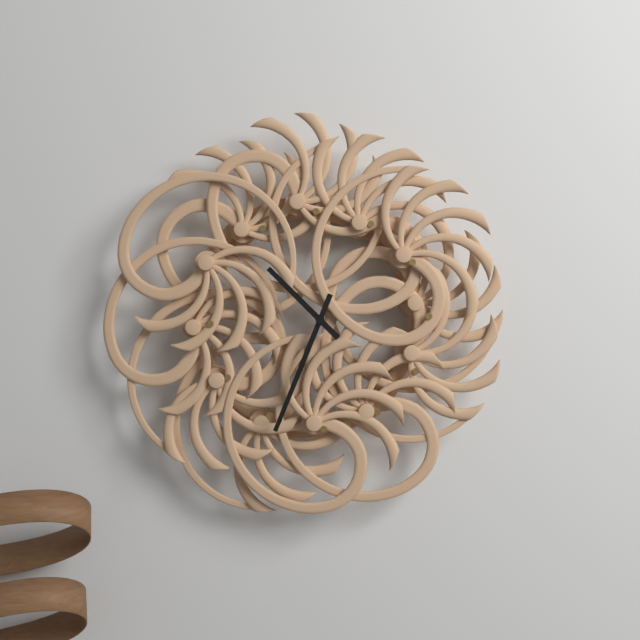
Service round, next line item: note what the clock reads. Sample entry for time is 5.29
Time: 10.34
